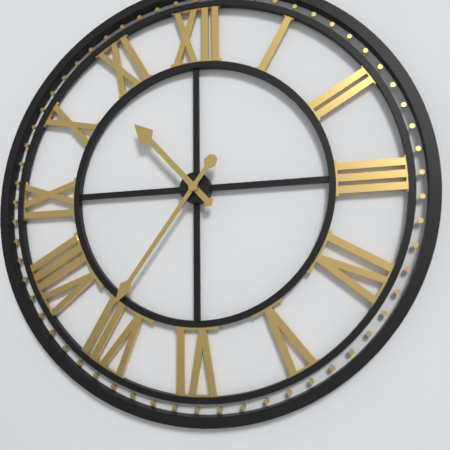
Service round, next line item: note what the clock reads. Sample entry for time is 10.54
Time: 10.36
